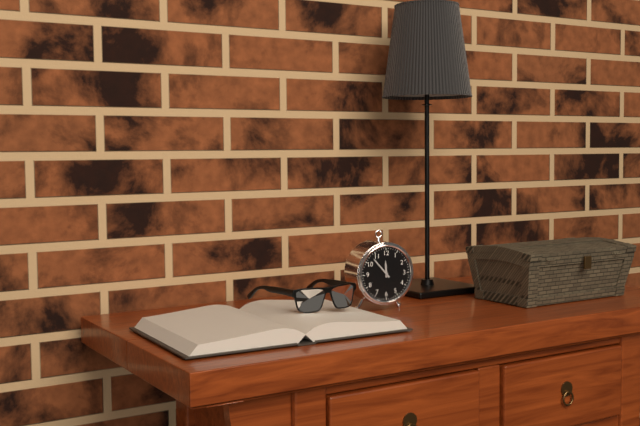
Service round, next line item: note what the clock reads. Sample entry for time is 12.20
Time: 11.53
